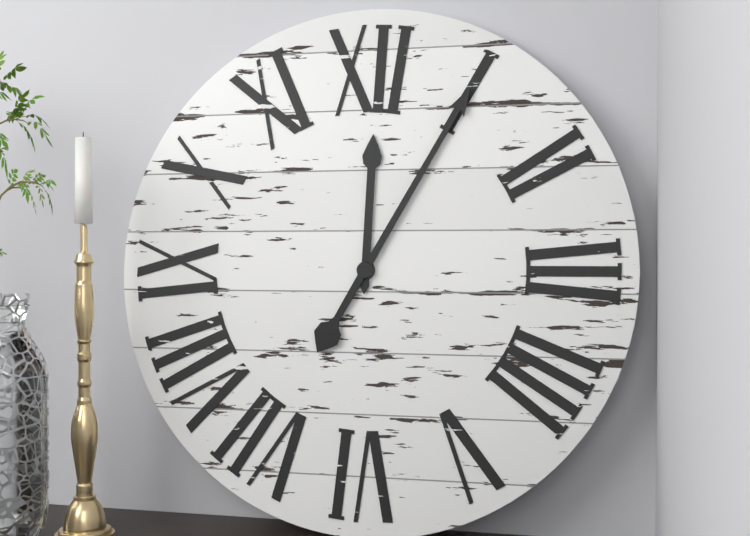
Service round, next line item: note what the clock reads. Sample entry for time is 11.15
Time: 12.05
